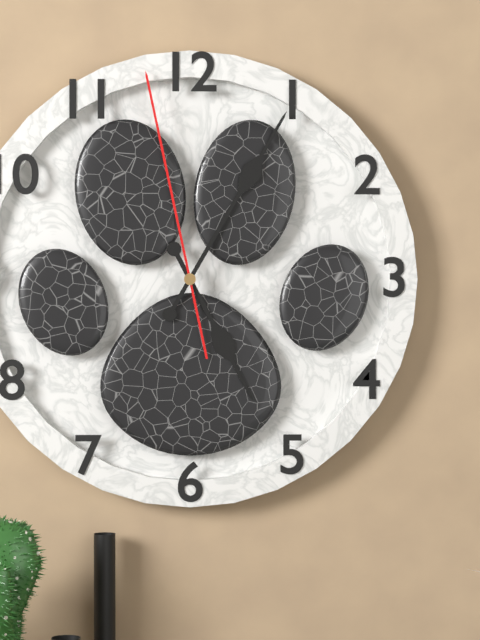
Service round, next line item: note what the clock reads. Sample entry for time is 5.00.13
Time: 5.05.58
